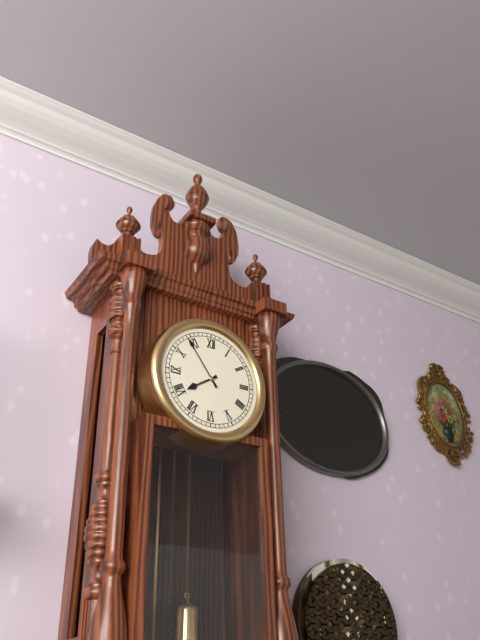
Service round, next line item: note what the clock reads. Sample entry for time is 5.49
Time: 7.54
